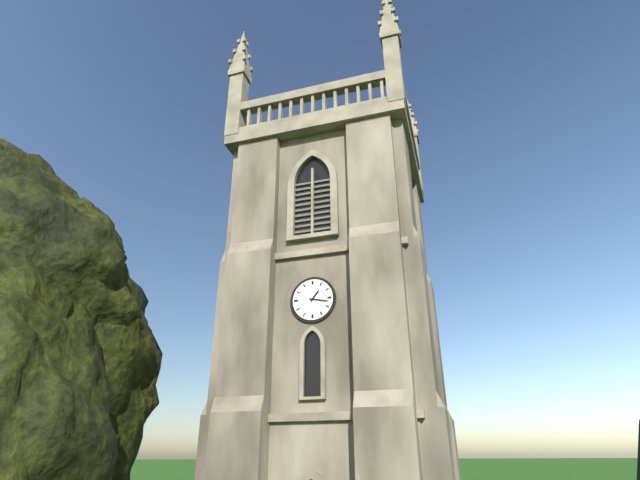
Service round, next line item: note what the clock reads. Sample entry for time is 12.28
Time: 1.17
